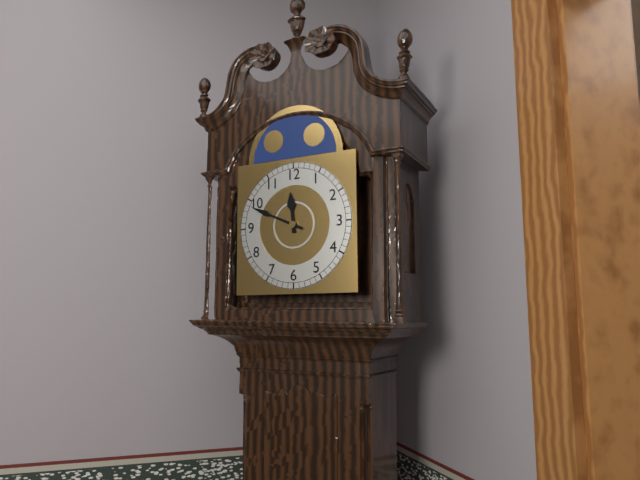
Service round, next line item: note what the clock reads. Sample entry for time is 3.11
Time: 11.49
